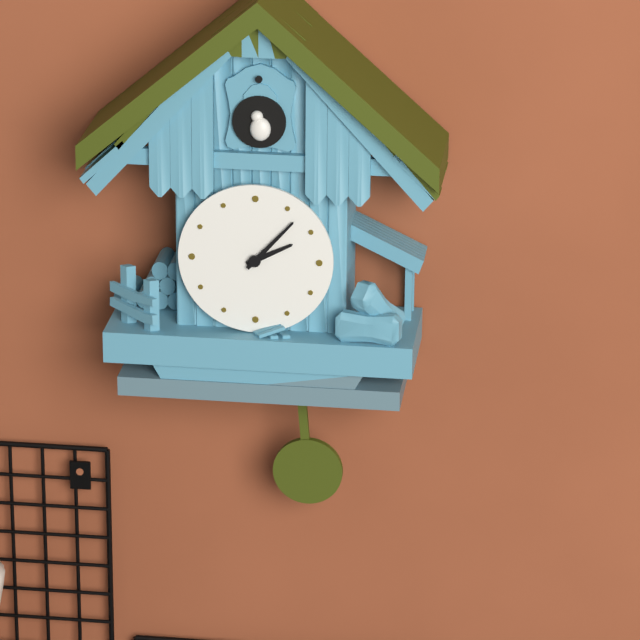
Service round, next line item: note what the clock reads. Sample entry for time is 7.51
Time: 2.07
